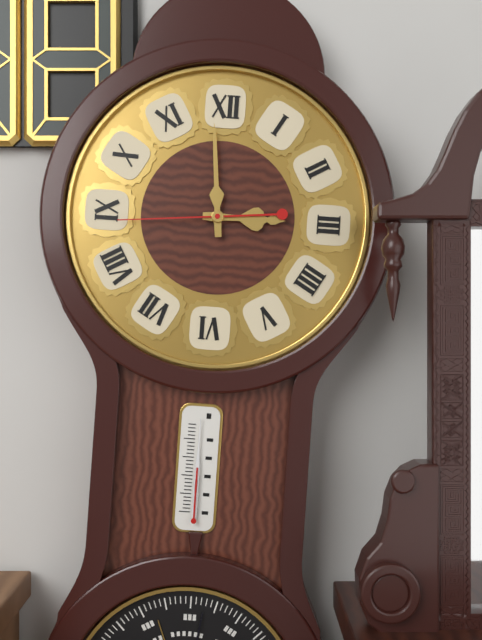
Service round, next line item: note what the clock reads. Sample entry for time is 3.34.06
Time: 2.59.44
